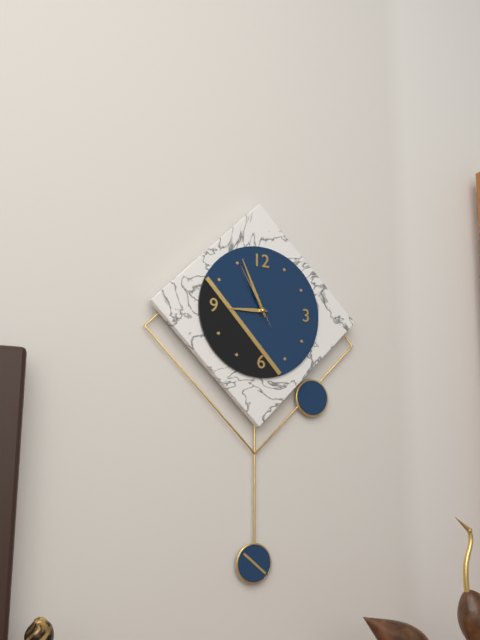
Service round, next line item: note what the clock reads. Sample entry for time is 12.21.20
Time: 8.56.55
